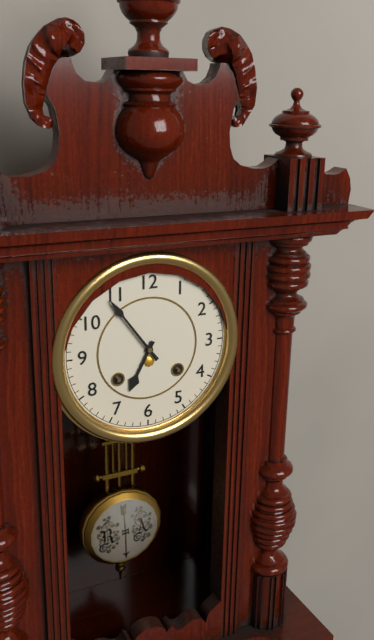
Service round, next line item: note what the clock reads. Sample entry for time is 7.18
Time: 6.54
